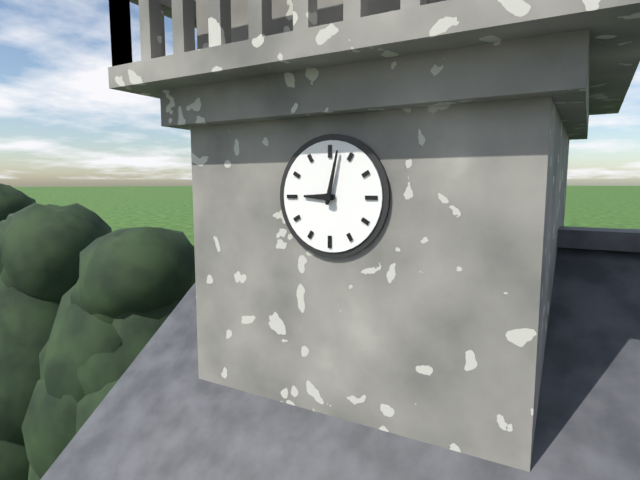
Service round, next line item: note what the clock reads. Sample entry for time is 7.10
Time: 9.02
